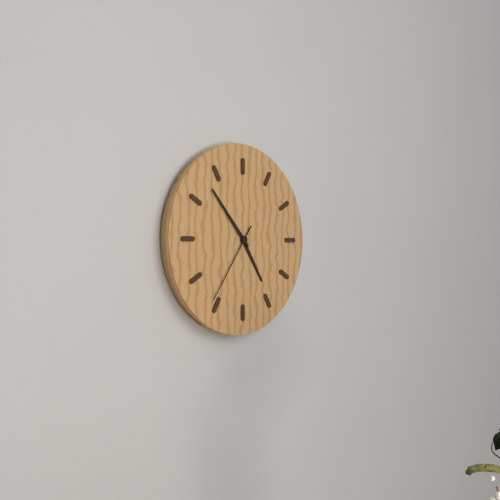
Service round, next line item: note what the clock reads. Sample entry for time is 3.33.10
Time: 4.53.36
